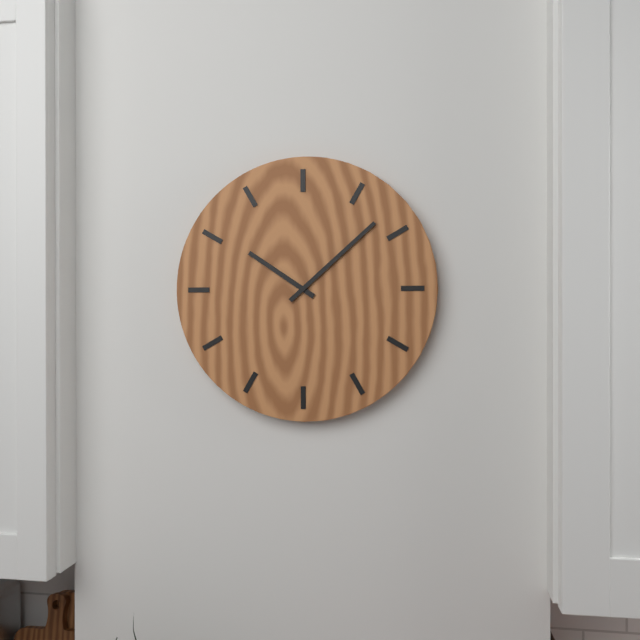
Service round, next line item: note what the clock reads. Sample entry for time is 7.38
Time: 10.08
